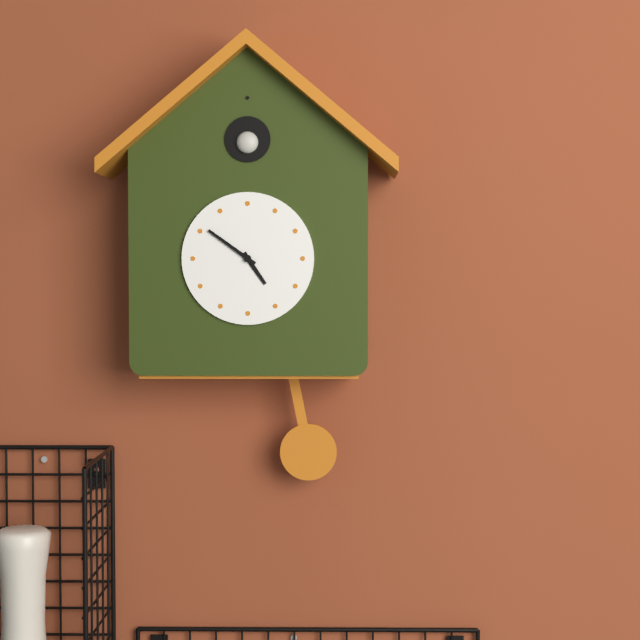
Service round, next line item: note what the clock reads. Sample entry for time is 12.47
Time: 4.51
